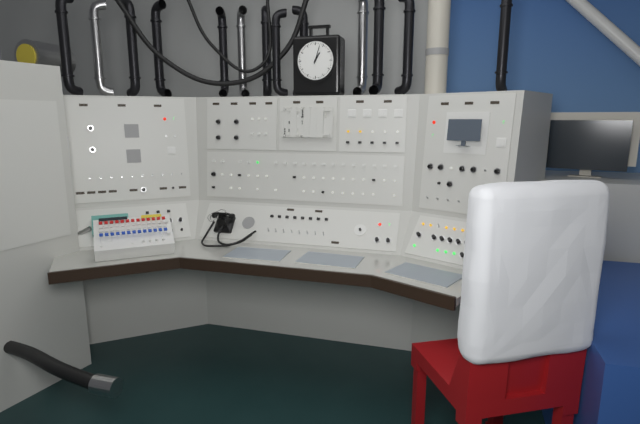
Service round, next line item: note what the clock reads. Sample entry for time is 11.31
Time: 1.03
